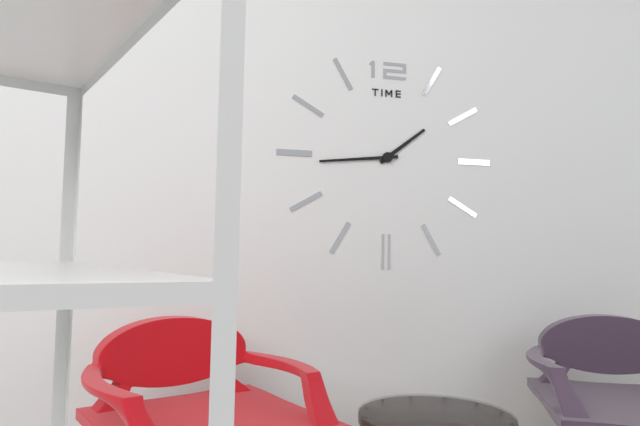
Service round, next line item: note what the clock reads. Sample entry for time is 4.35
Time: 1.44
